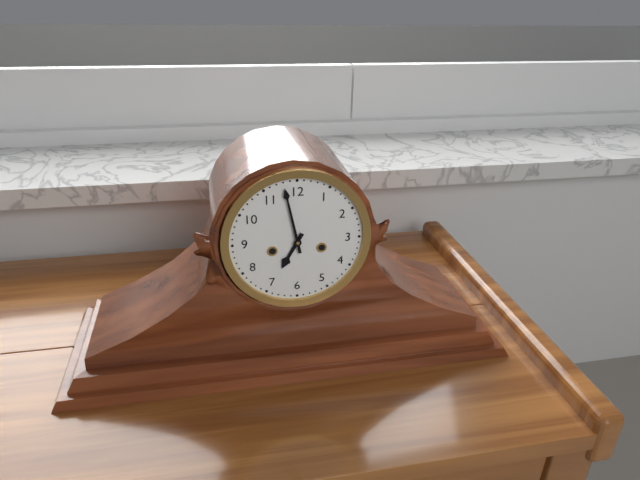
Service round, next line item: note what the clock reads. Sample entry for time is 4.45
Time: 6.58
